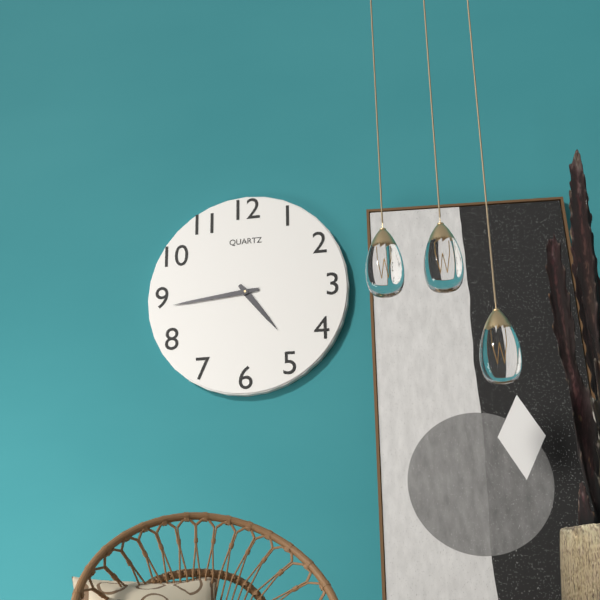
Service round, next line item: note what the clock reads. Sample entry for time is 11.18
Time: 4.44
